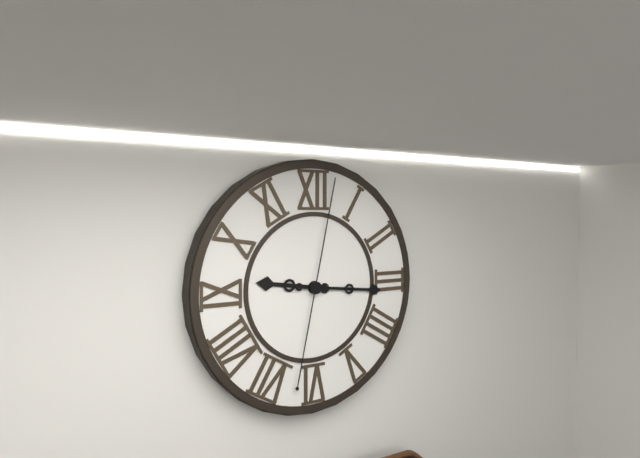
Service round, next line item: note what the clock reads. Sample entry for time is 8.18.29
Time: 9.16.02
